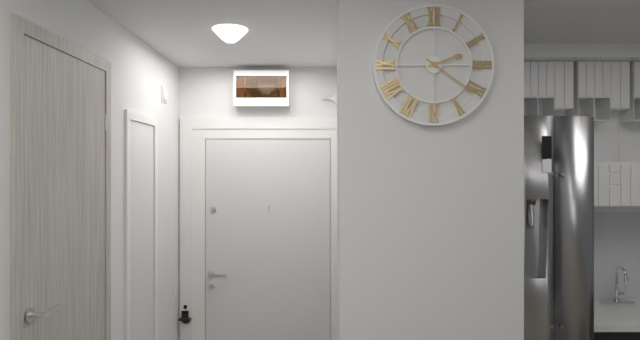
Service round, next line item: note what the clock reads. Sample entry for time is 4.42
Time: 2.21
